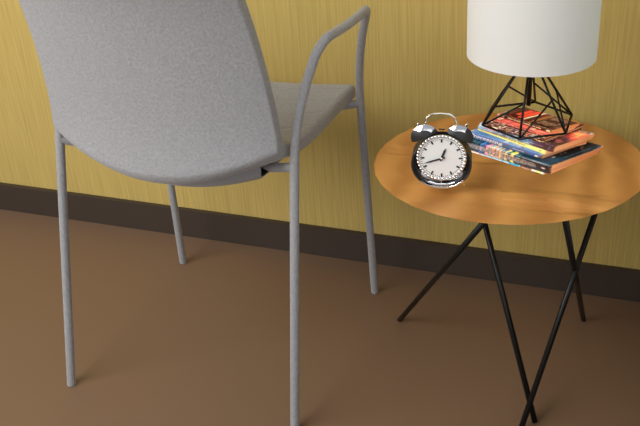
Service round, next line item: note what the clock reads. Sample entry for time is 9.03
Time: 12.42
